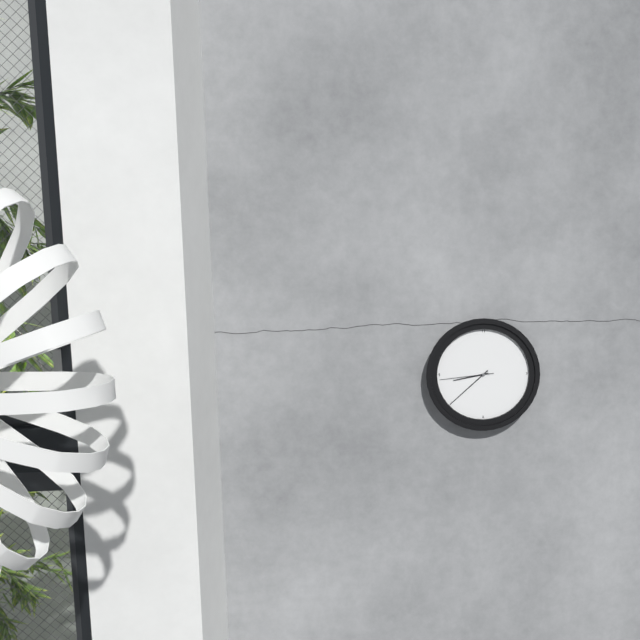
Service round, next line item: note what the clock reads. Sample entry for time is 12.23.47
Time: 8.38.44
